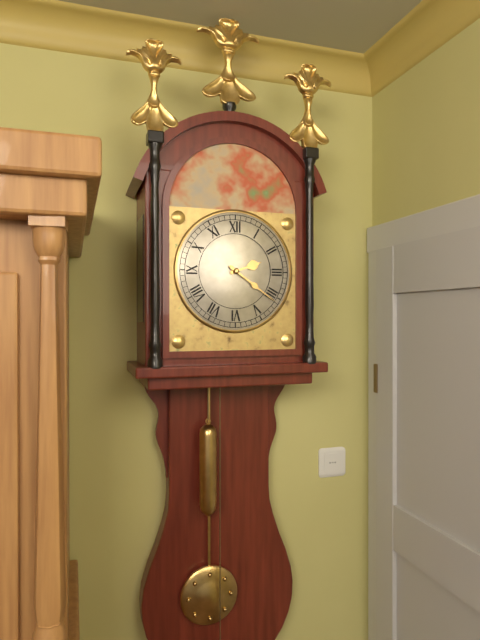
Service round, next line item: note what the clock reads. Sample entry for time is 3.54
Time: 2.21
